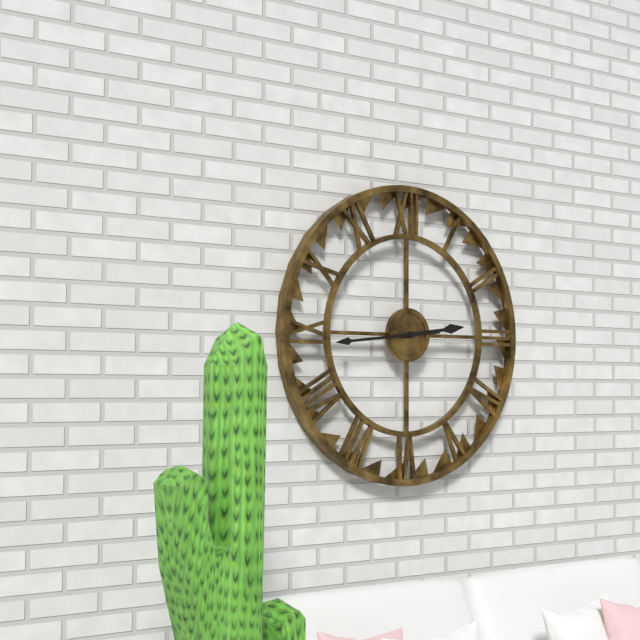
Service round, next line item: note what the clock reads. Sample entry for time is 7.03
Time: 2.44
